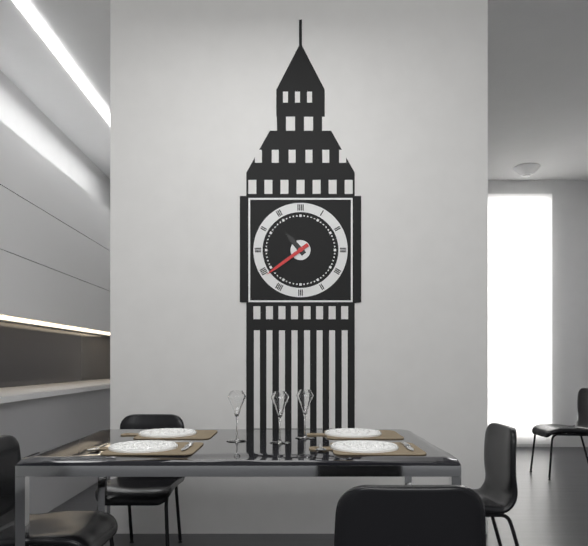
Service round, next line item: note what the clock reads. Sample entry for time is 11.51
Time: 10.39
